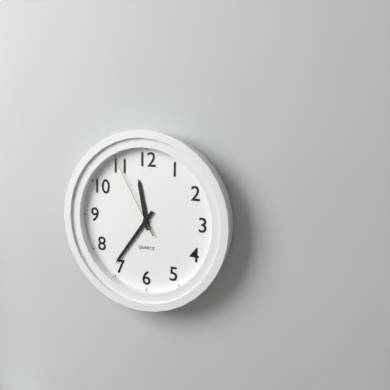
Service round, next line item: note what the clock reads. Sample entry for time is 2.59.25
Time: 11.36.55
